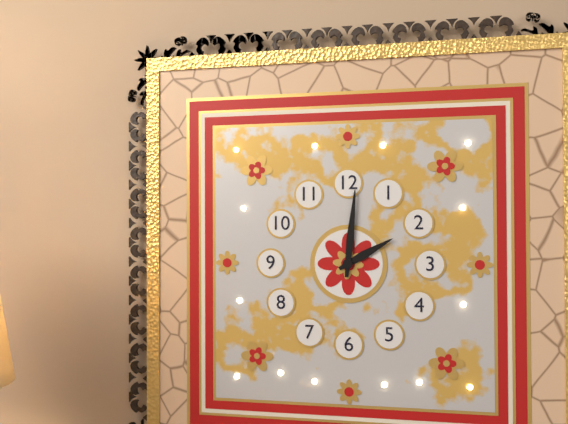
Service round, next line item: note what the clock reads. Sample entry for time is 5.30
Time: 2.01
